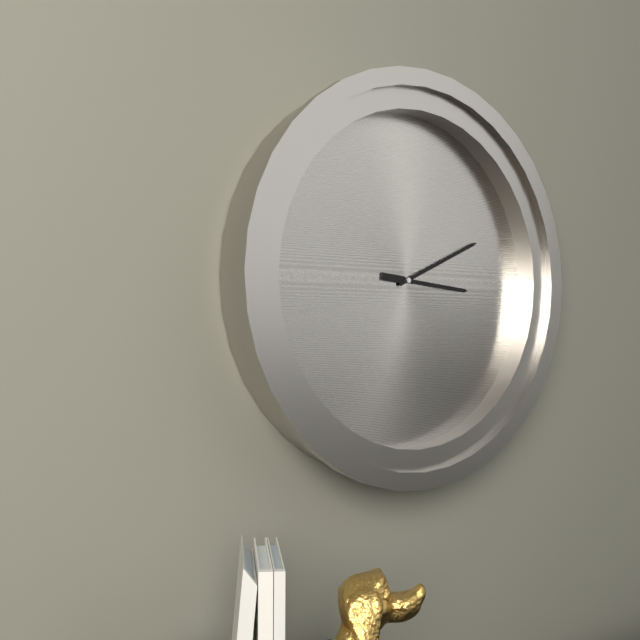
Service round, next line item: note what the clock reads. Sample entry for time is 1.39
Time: 3.11
